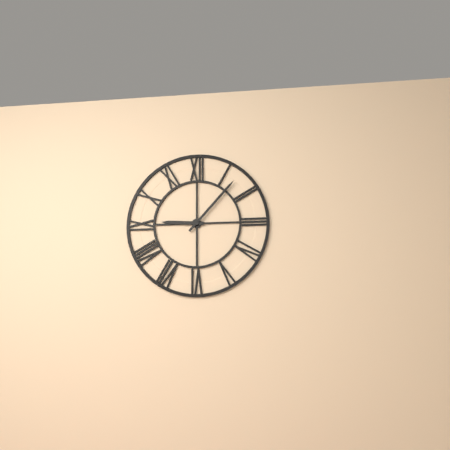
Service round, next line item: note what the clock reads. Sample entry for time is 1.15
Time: 9.07
